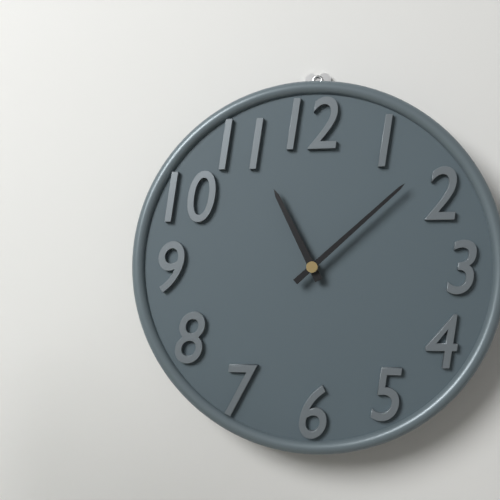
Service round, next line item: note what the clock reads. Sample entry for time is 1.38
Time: 11.08
